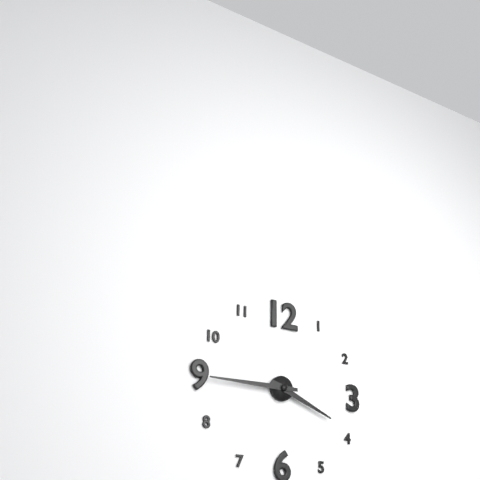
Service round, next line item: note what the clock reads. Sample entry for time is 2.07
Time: 3.45
